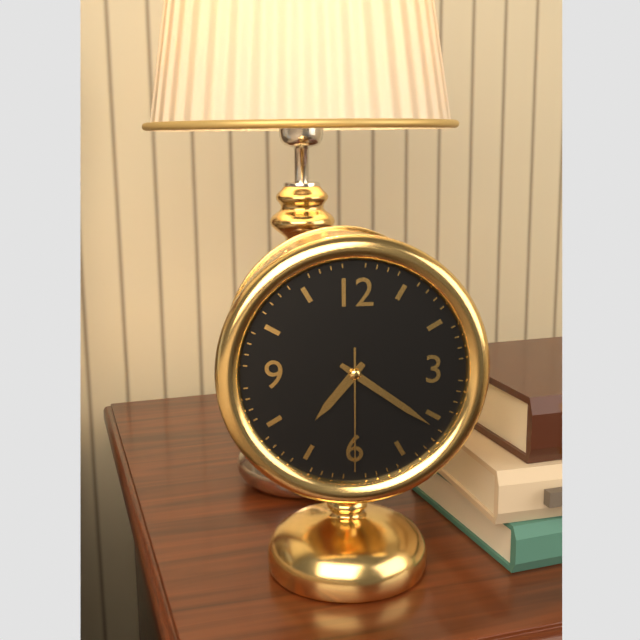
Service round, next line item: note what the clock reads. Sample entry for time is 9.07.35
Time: 7.21.30
